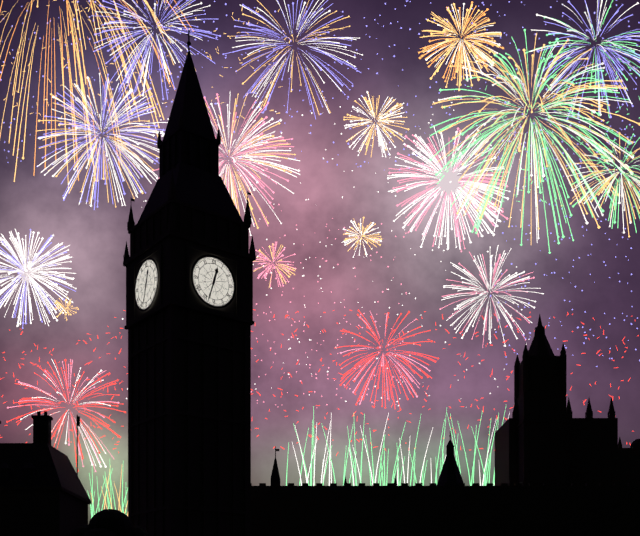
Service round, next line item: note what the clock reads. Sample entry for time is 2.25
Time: 12.33
